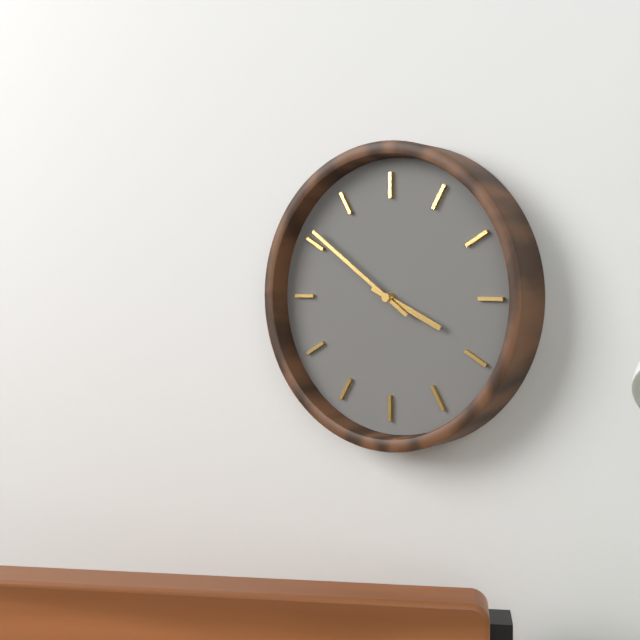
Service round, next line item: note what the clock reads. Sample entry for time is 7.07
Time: 3.51
